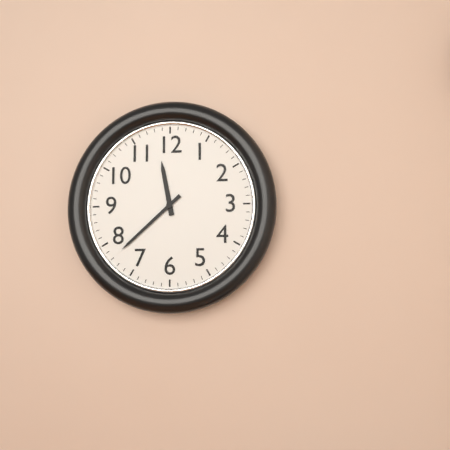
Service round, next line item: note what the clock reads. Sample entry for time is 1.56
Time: 11.38
